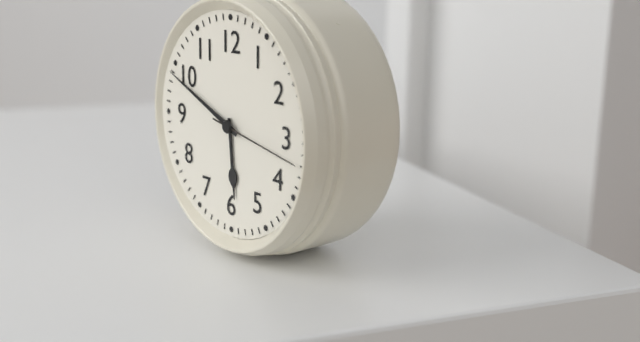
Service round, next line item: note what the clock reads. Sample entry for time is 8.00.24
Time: 5.49.17
